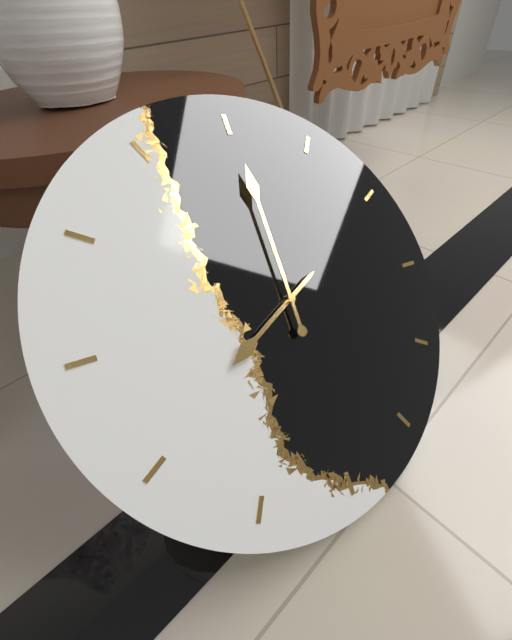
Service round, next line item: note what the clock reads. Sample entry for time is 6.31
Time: 9.05
